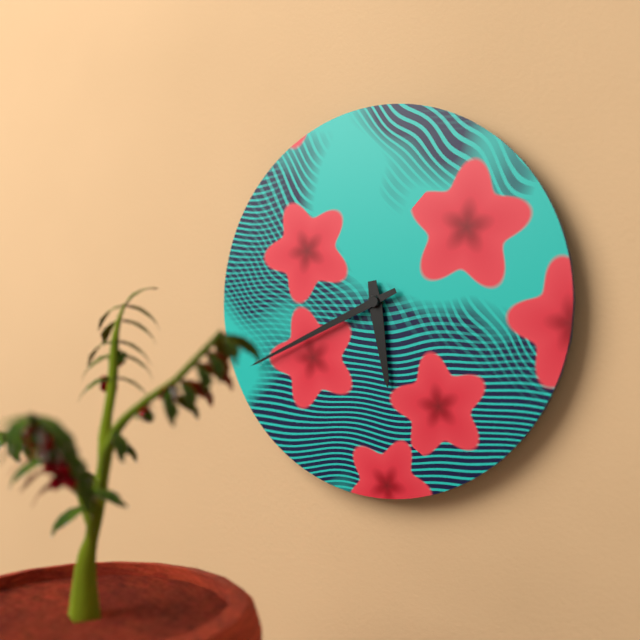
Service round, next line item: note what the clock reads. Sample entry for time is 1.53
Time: 5.41
